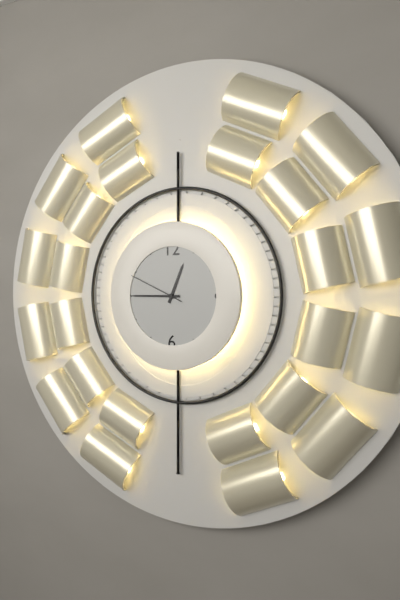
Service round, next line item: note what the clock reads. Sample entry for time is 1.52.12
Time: 12.45.49
